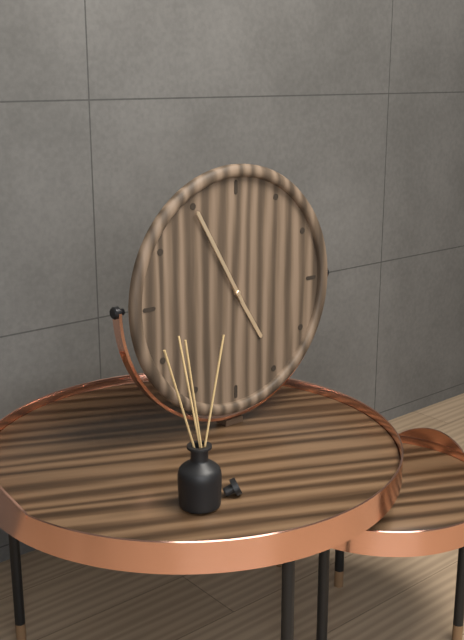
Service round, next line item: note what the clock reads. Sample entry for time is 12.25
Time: 4.55
